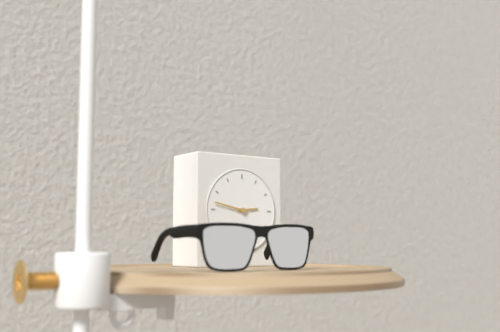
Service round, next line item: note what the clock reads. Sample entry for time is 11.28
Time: 2.47
